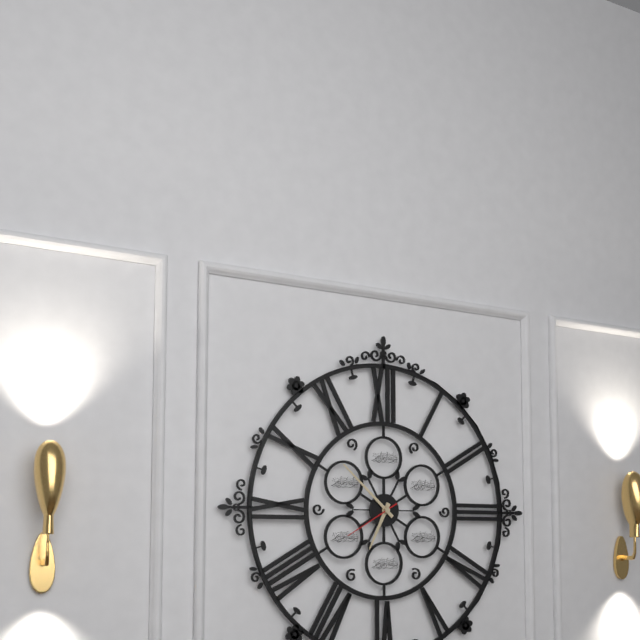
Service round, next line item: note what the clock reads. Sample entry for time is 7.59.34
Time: 6.52.40
